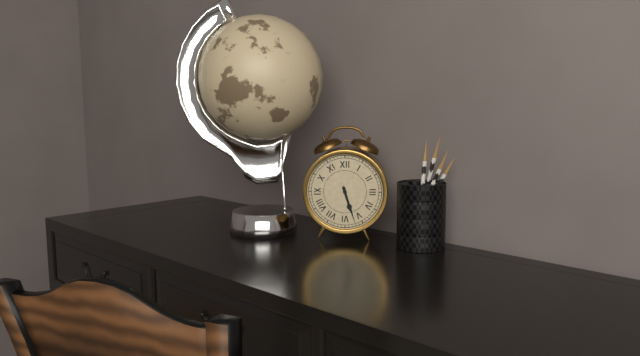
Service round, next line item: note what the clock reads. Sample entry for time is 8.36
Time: 5.27
